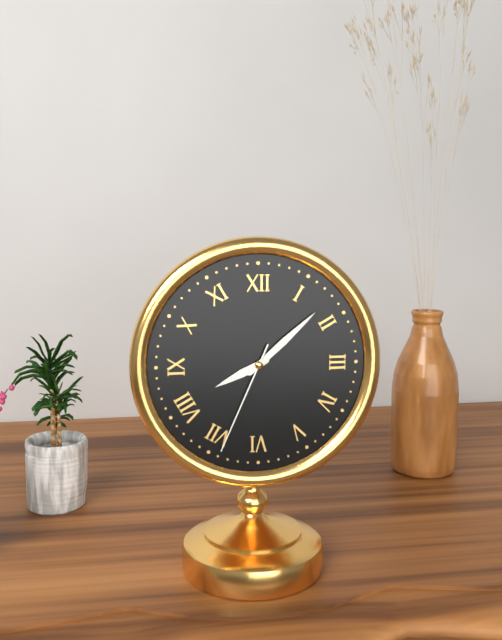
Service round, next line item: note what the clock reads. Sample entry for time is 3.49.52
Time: 8.08.34
